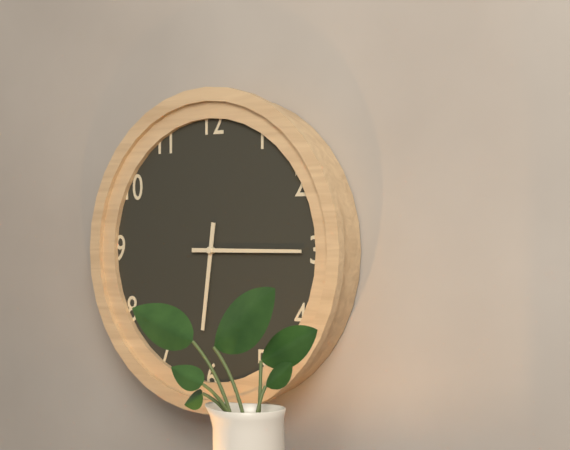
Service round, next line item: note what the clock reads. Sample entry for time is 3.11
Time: 6.15
